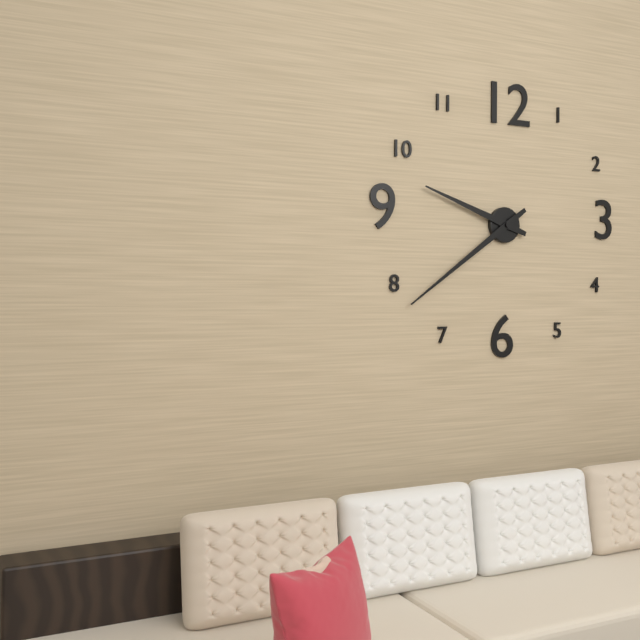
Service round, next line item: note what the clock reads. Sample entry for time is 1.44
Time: 9.39
